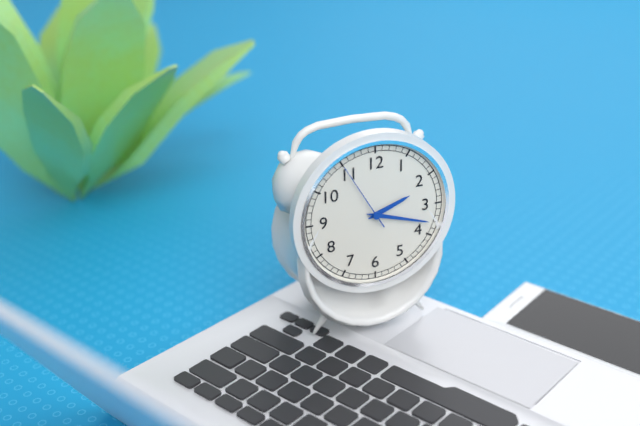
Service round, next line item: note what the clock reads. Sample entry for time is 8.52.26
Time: 2.18.55
